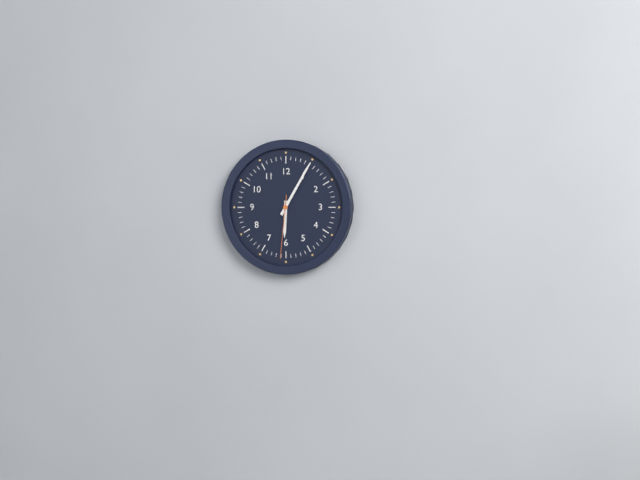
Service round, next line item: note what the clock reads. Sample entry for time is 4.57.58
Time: 6.05.31
